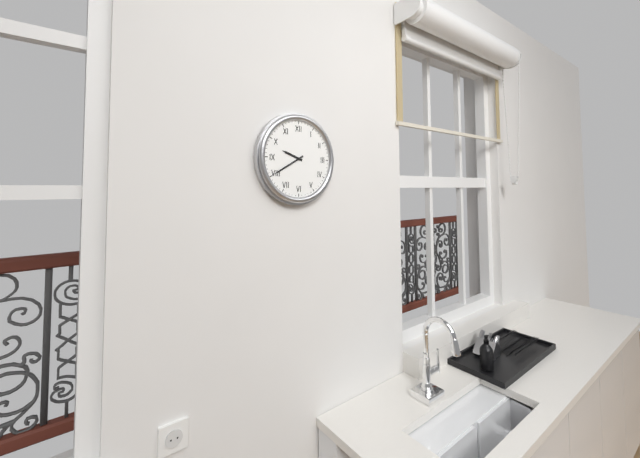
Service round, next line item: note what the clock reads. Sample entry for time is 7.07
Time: 9.40
